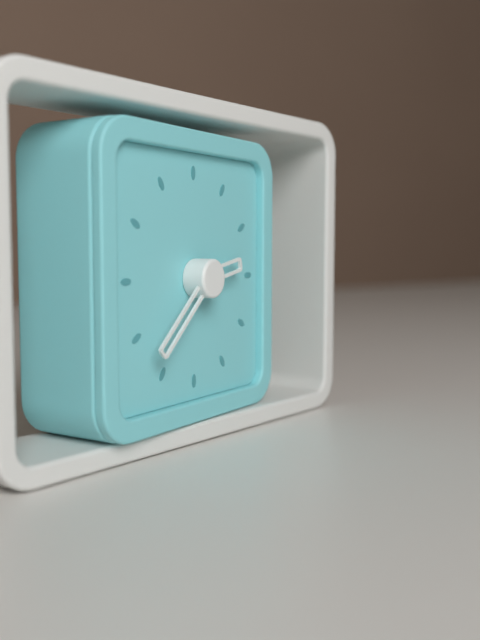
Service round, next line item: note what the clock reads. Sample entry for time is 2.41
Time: 2.38
